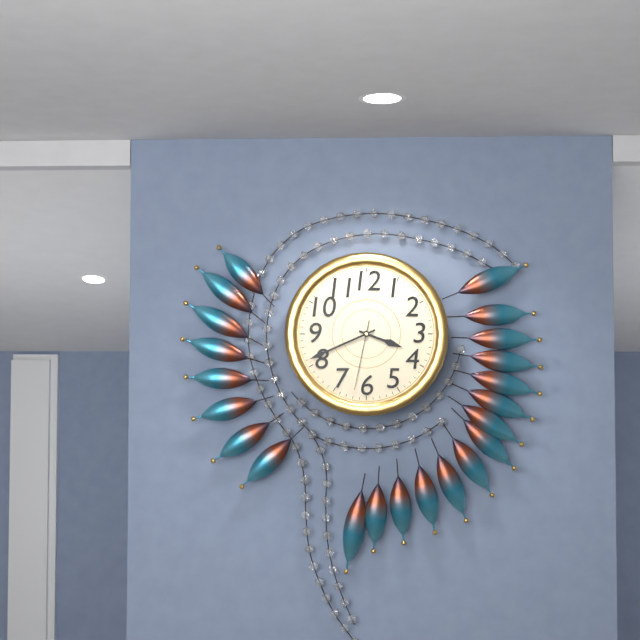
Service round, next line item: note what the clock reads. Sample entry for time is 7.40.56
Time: 3.41.32
